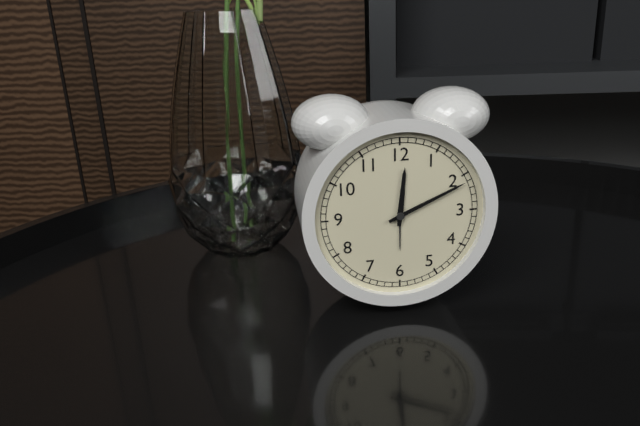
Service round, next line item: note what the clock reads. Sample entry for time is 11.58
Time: 12.11
